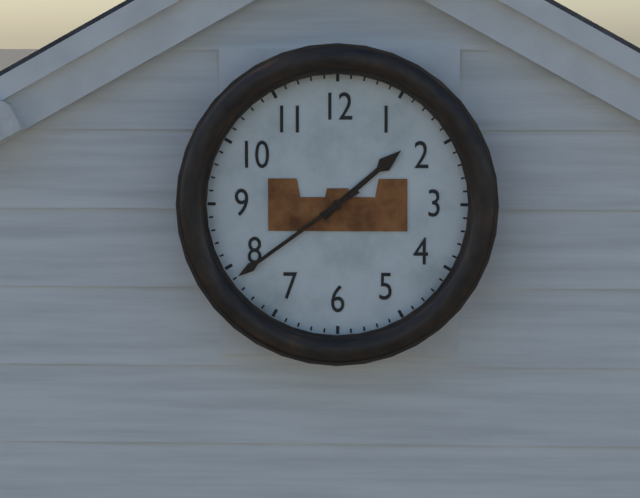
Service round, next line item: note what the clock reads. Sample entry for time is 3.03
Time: 1.39
